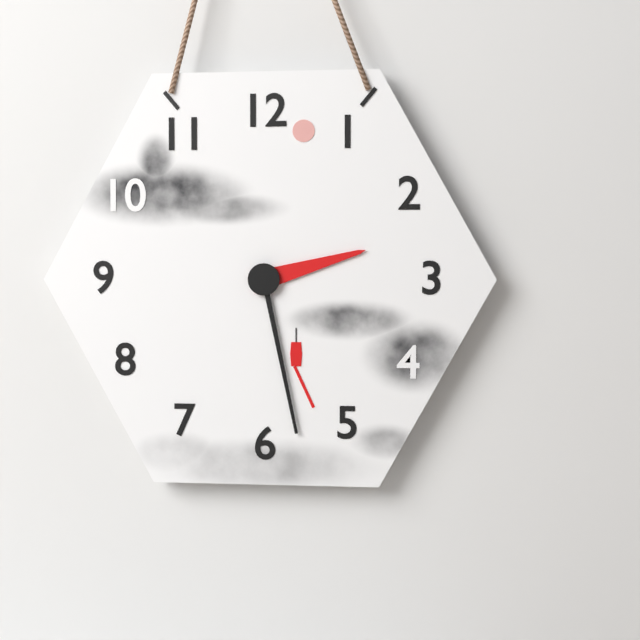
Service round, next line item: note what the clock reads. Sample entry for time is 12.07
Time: 2.28
